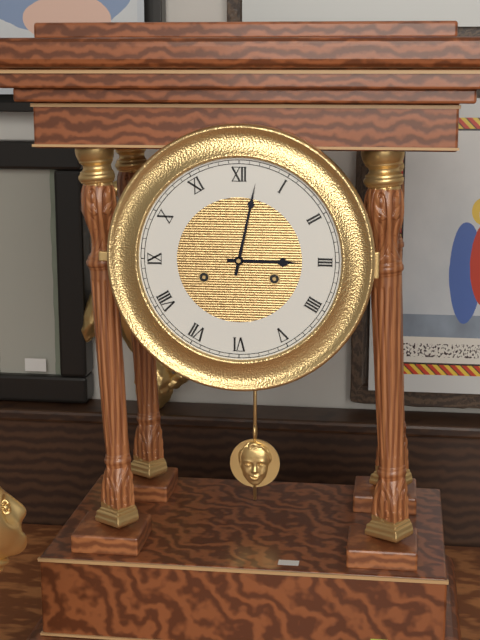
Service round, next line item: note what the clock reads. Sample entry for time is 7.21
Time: 3.02
